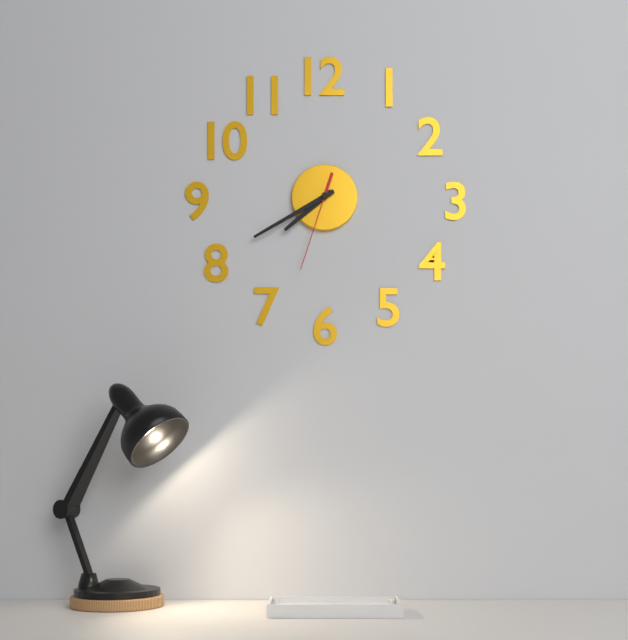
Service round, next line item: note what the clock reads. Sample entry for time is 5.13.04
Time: 7.40.33
